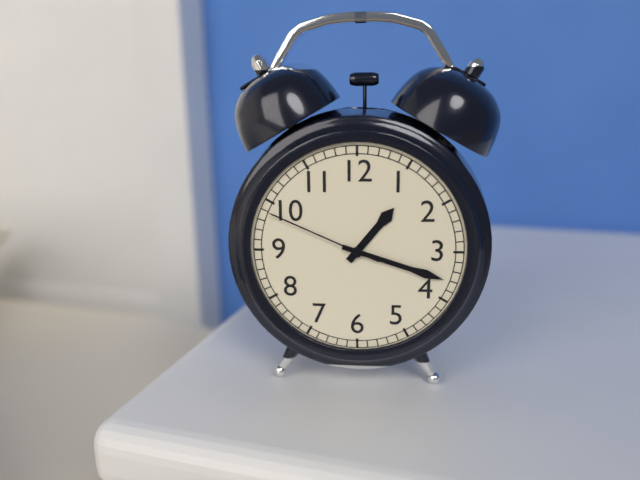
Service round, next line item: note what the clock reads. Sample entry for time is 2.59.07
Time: 1.18.49
